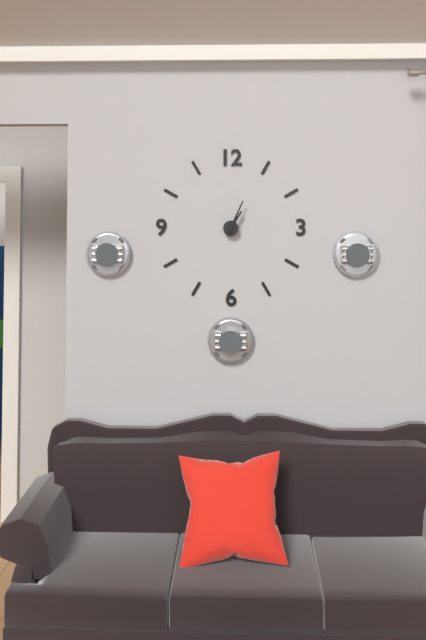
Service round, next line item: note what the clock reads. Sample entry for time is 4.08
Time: 1.04
